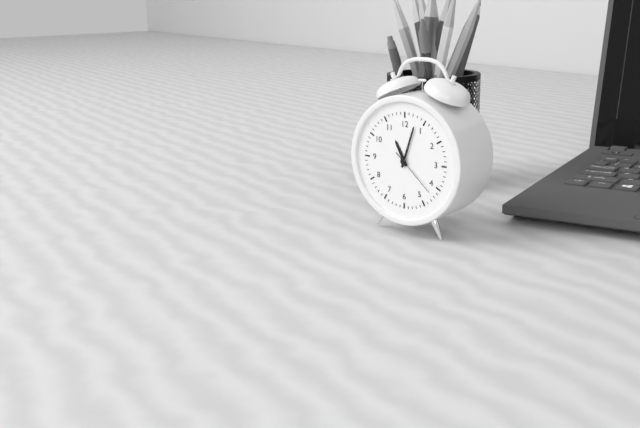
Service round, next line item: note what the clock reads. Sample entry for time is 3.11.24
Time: 11.03.22
